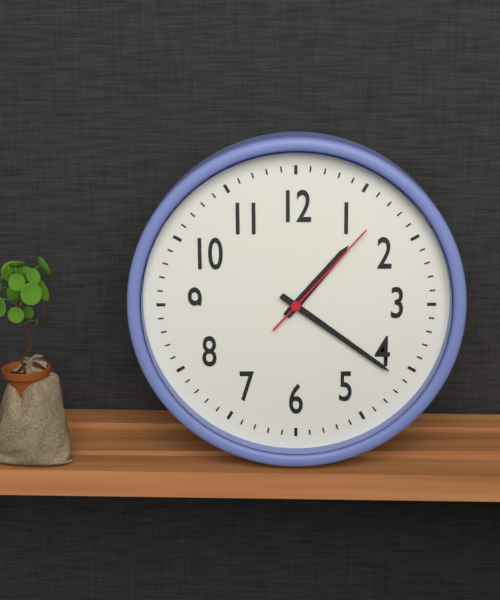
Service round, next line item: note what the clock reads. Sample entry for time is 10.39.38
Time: 1.21.07
